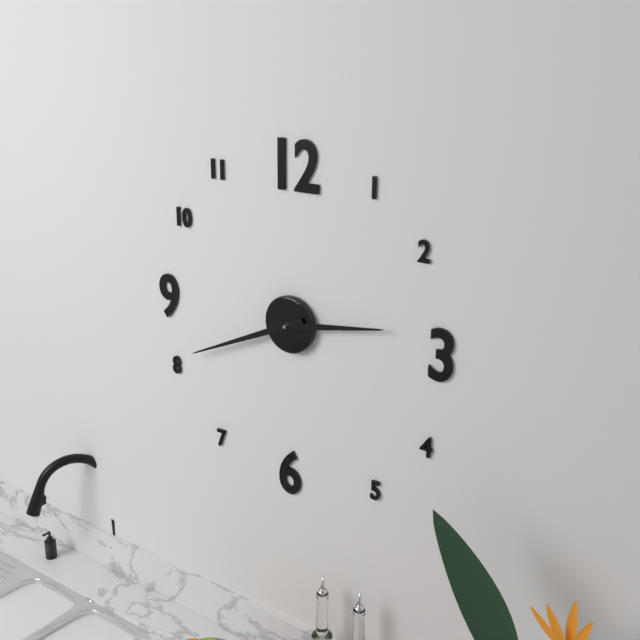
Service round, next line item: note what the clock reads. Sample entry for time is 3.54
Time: 2.41
